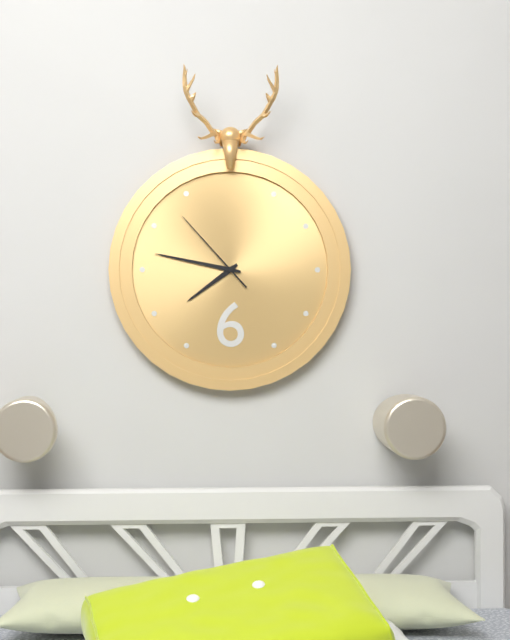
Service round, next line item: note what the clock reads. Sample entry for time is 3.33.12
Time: 7.47.53
